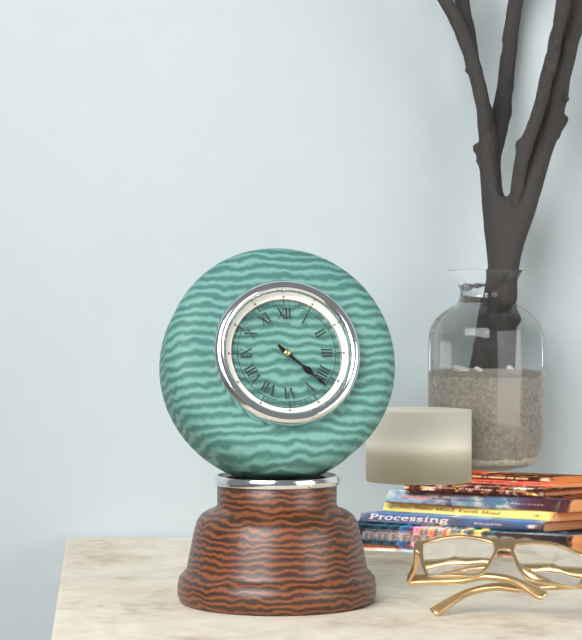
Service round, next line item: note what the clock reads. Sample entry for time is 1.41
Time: 4.22
